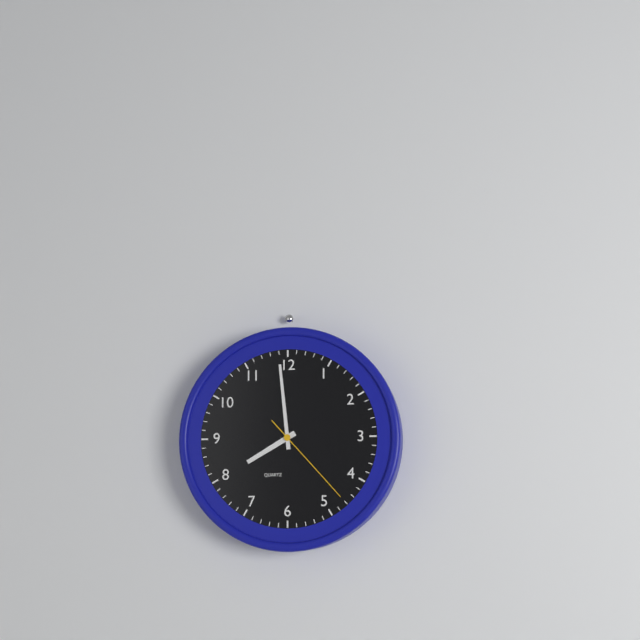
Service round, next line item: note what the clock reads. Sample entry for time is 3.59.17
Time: 7.59.23
